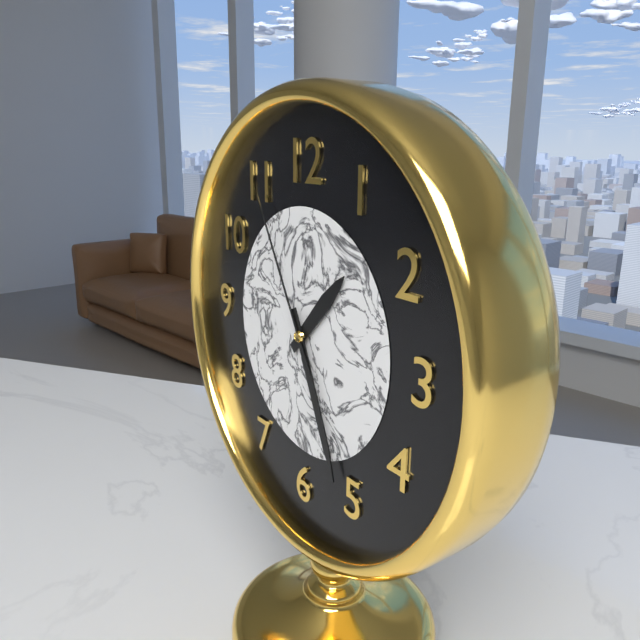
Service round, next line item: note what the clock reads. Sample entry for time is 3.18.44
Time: 1.26.55
